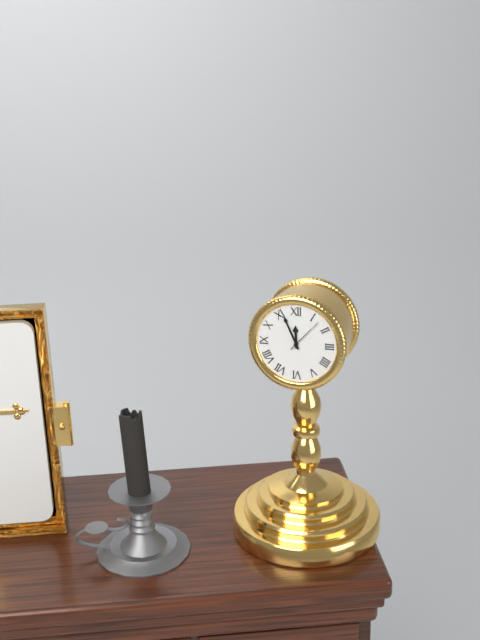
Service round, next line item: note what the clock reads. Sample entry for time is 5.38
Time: 11.56
